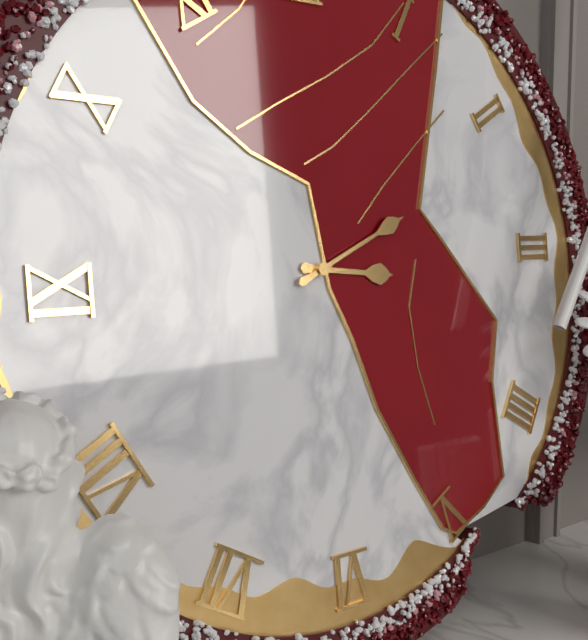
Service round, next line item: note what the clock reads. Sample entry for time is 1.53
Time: 3.11
